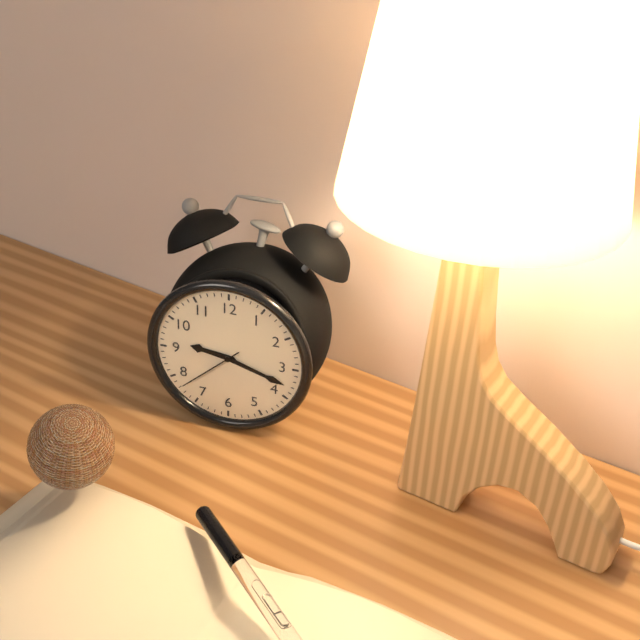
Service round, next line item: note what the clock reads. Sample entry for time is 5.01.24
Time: 9.18.38
